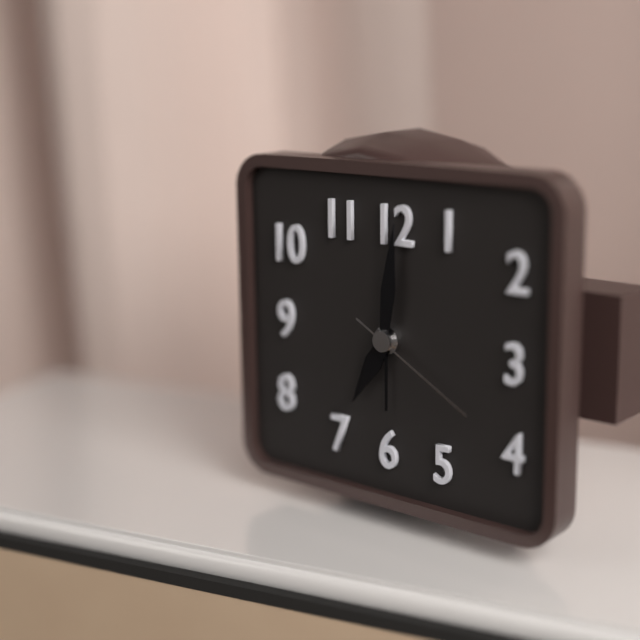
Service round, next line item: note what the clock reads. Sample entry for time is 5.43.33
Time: 7.01.20
